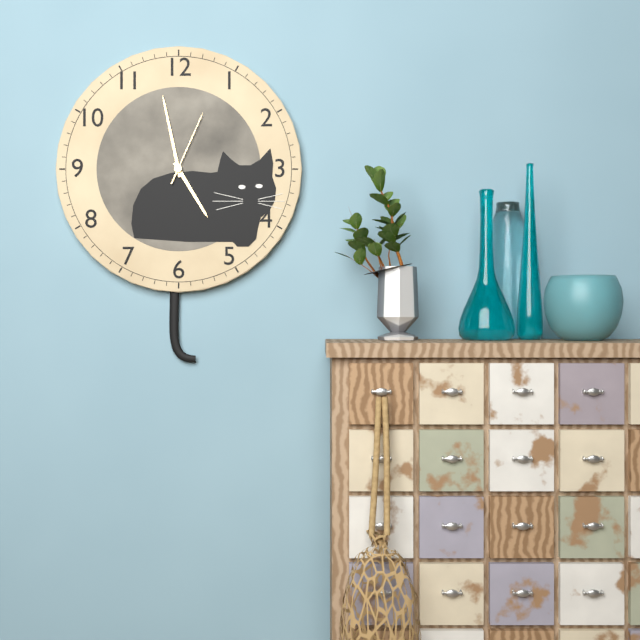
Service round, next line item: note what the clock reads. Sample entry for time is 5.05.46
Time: 4.58.04
